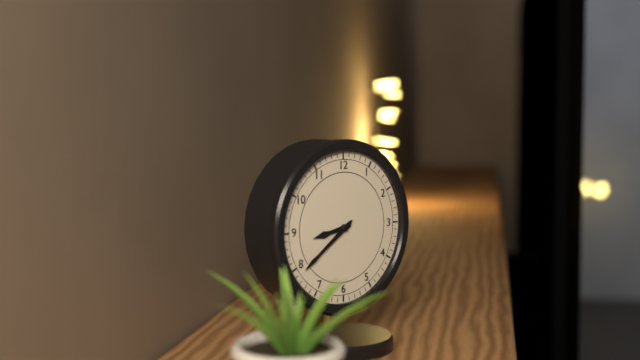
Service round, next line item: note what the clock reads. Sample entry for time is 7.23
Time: 8.39
